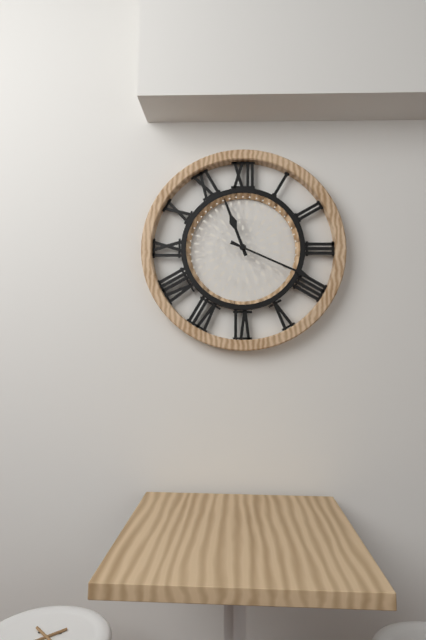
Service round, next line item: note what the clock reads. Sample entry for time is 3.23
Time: 11.19
